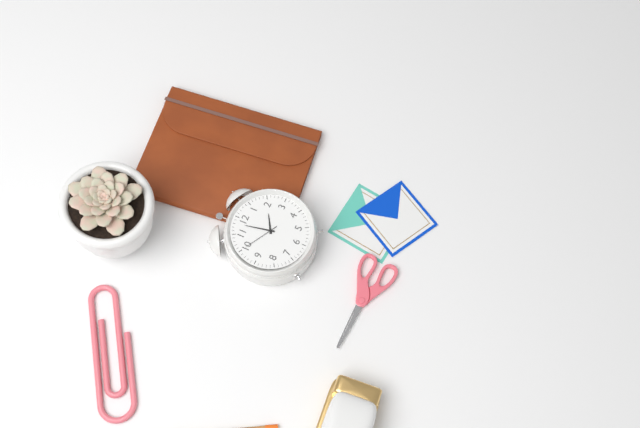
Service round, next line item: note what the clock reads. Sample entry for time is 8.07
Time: 1.58
